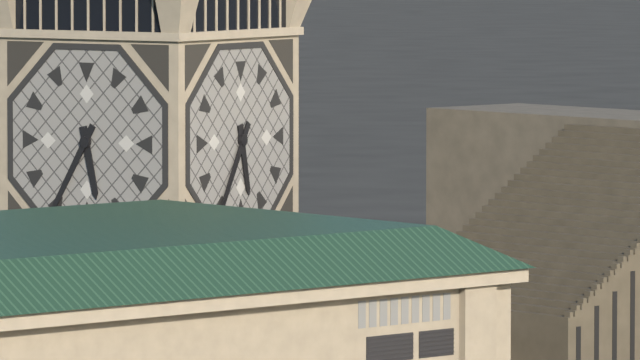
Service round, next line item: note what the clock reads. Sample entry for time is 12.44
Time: 5.35
